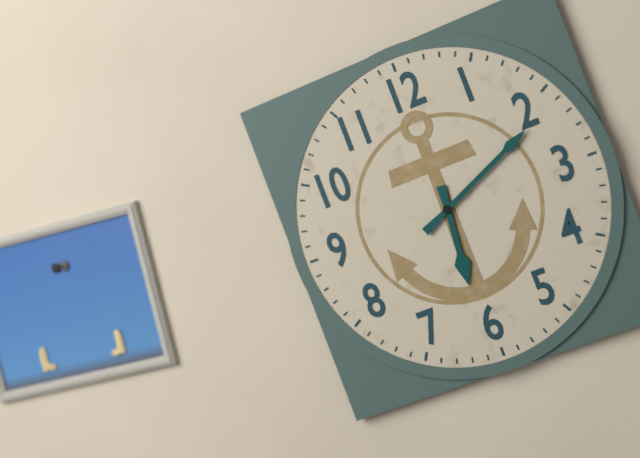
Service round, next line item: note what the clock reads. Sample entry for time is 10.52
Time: 6.11
